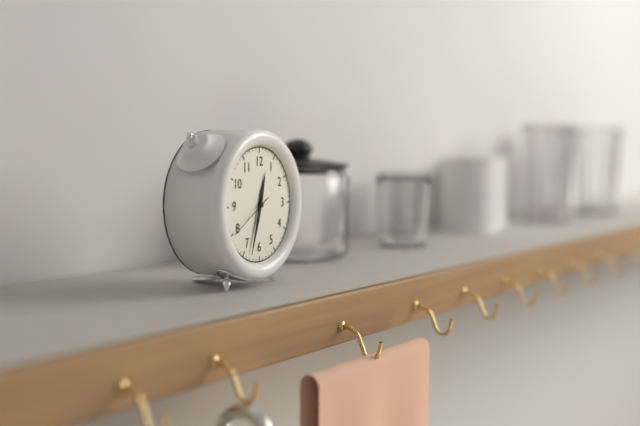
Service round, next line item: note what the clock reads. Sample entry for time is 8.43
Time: 12.33
